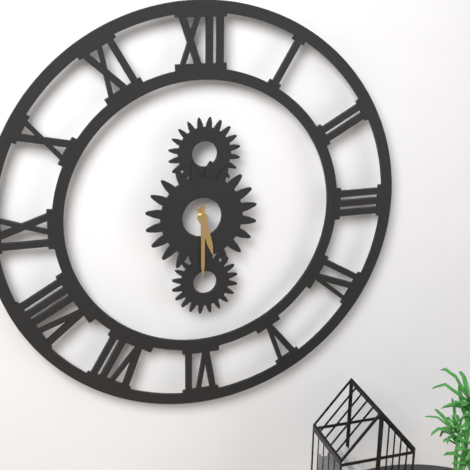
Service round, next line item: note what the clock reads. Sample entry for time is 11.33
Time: 5.30
